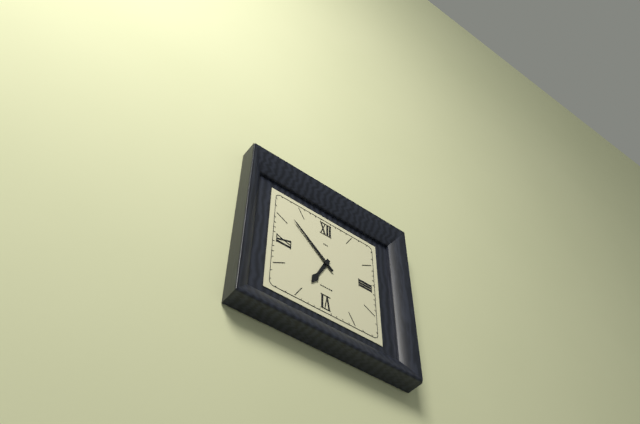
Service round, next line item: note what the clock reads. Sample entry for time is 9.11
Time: 6.52
